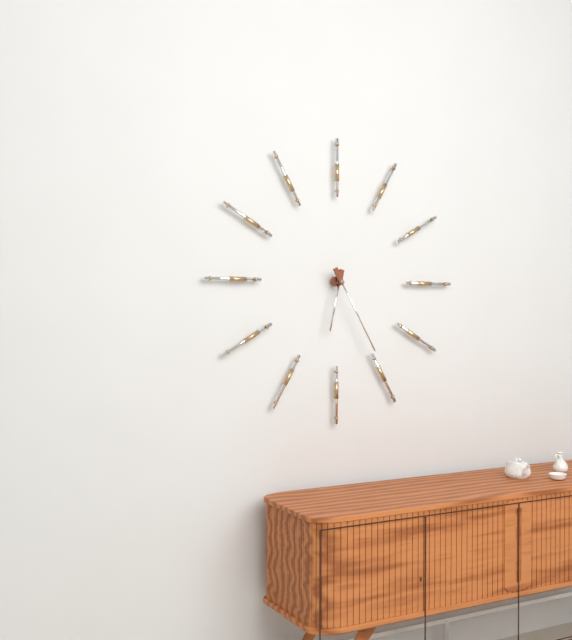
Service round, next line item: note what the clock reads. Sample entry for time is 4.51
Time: 6.25
